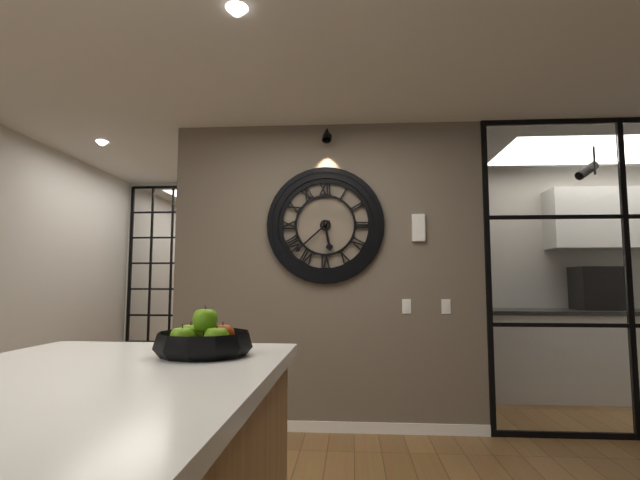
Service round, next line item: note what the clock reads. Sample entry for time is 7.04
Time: 5.38
